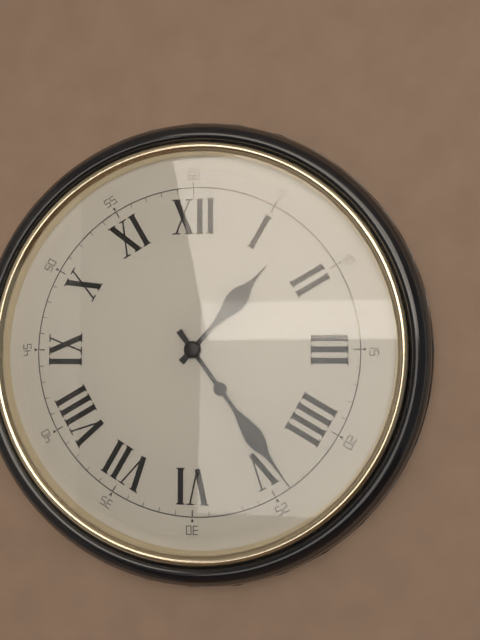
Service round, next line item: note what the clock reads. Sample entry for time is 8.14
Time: 1.24
